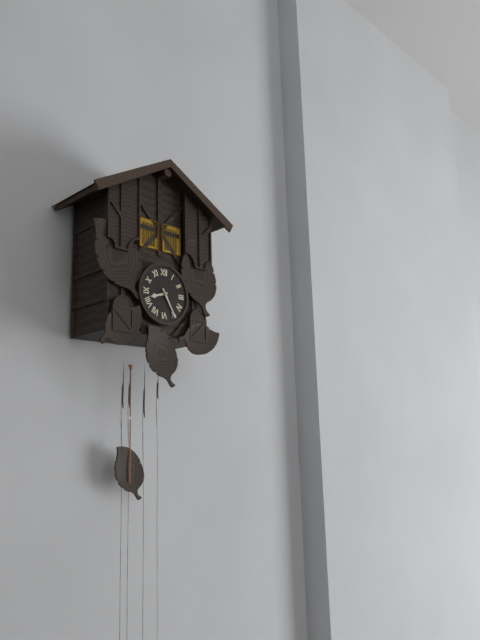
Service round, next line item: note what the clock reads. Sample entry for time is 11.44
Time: 8.25
